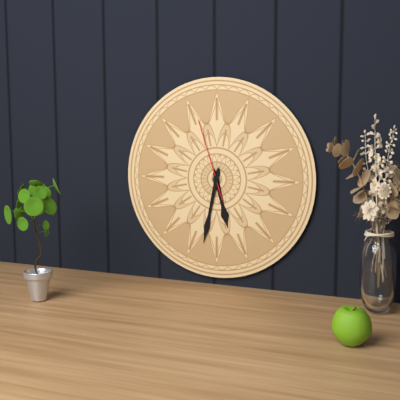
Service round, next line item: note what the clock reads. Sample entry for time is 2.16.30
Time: 5.32.57
